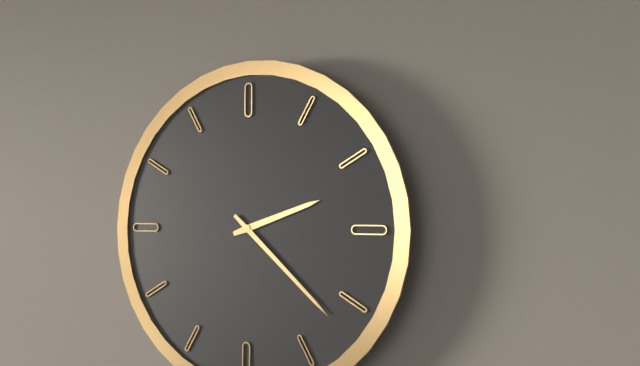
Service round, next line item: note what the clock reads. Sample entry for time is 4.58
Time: 2.22
